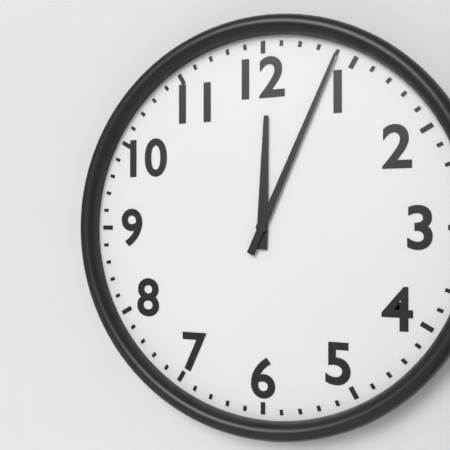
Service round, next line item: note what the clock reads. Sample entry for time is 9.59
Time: 12.04
